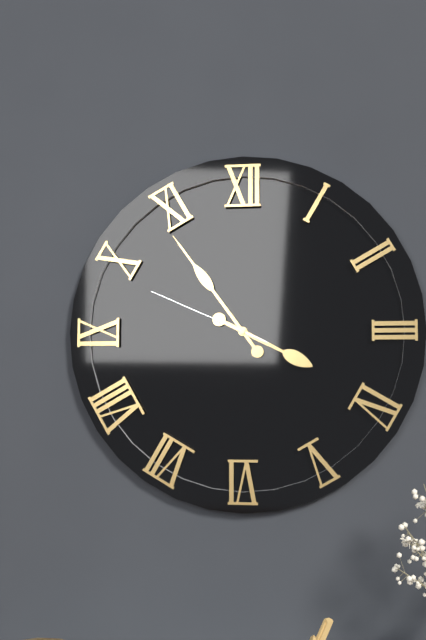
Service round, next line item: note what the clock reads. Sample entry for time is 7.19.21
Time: 3.54.49
